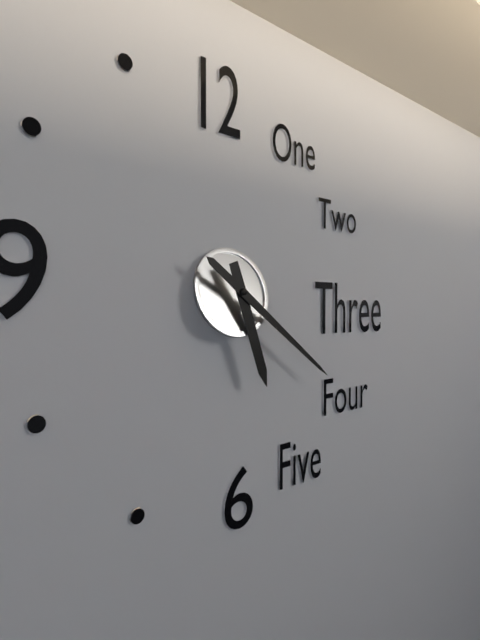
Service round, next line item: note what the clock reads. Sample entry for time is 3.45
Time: 5.21
